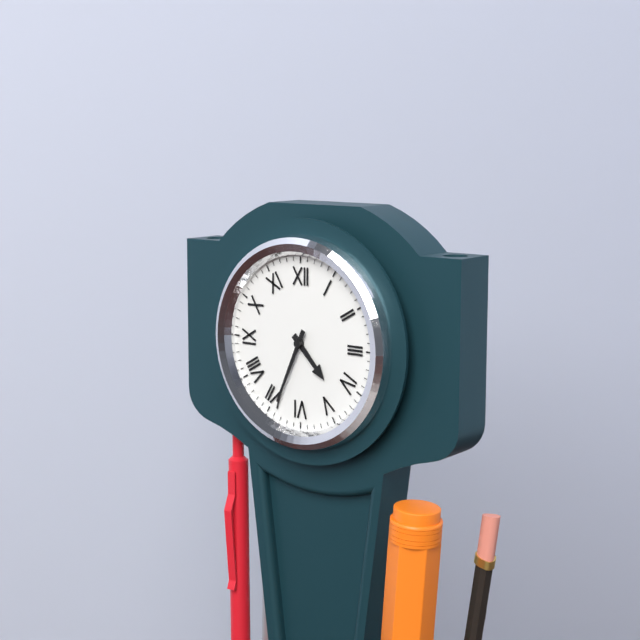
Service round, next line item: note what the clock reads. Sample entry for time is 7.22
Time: 4.34
